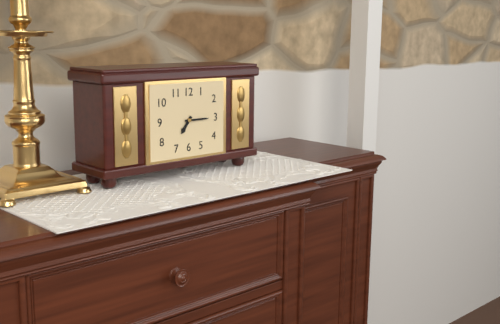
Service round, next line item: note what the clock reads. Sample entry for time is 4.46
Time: 7.15
